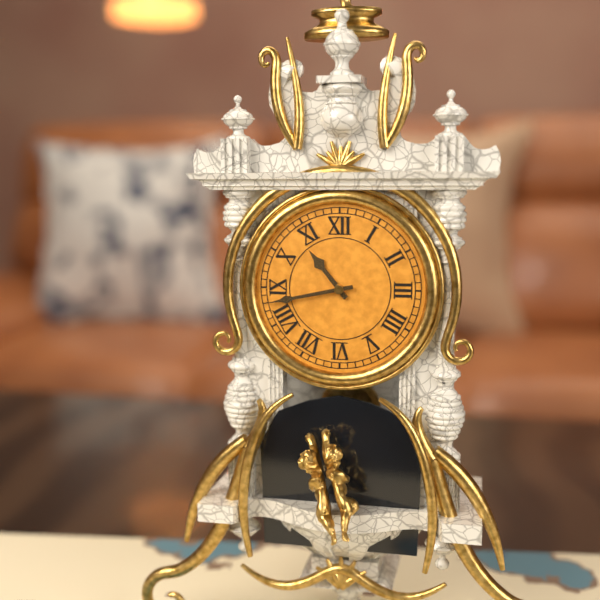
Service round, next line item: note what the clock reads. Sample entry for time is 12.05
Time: 10.43
